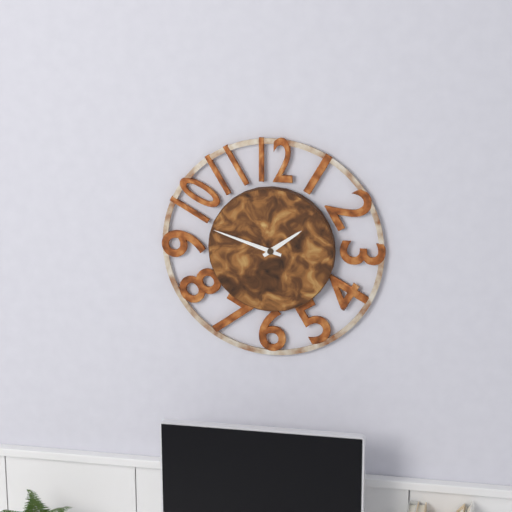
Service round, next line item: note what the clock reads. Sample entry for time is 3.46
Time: 1.48
